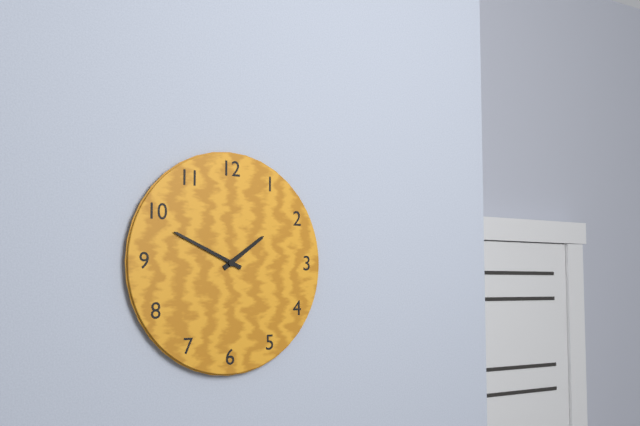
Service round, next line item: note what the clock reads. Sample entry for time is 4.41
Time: 1.49
